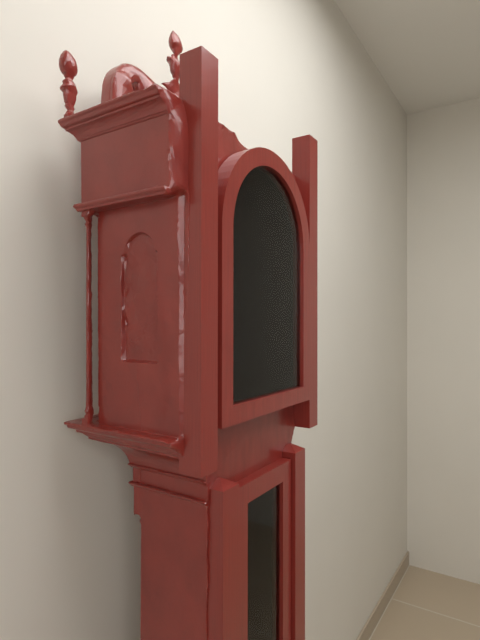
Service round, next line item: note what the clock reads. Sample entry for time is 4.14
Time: 3.56
